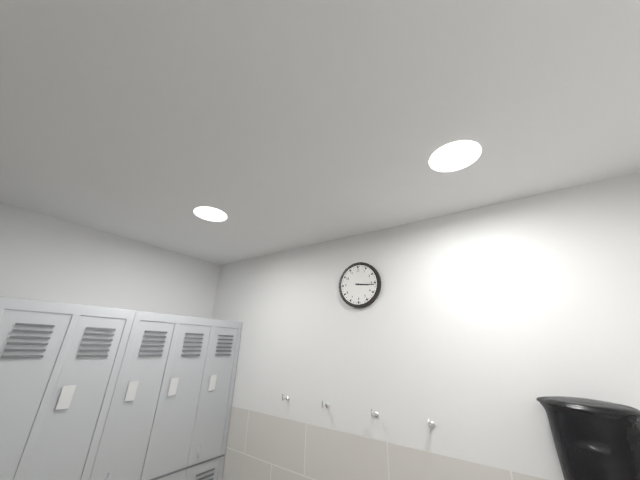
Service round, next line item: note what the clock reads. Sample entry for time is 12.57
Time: 3.16
